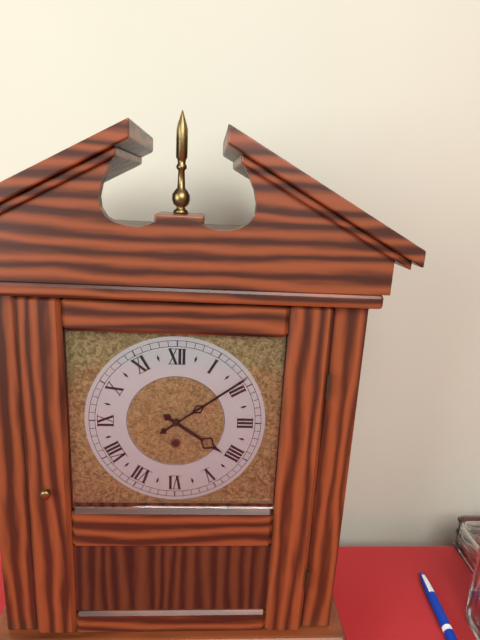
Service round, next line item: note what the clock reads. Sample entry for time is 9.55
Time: 4.09
